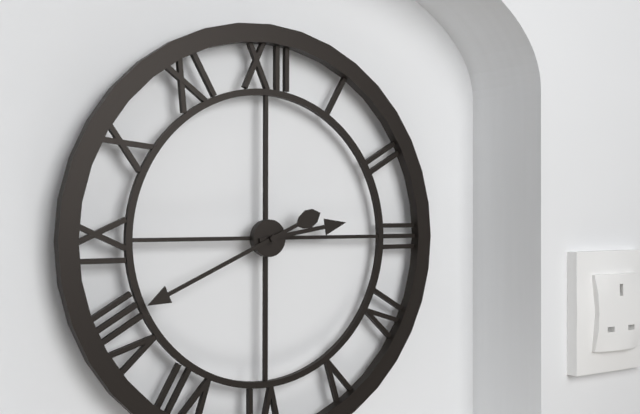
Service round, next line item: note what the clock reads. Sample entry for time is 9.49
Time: 2.41
